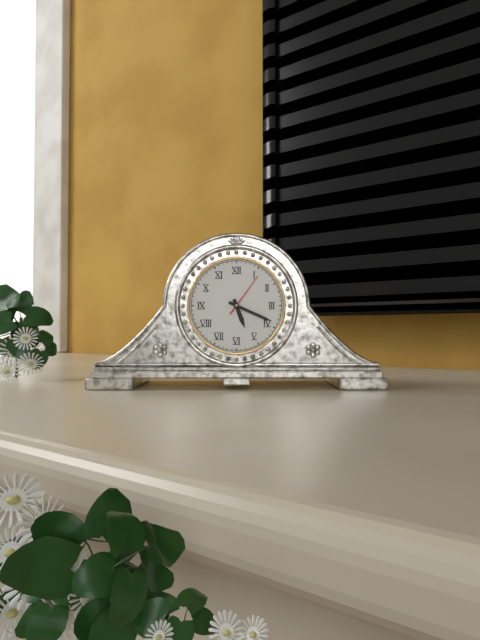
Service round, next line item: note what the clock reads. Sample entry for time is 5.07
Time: 5.19
